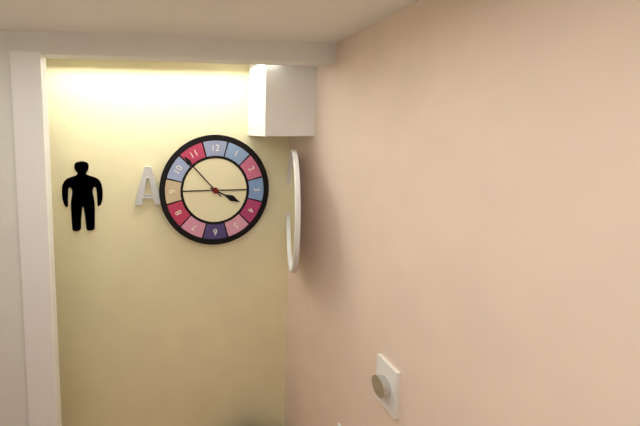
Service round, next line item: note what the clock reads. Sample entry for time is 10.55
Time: 3.53
